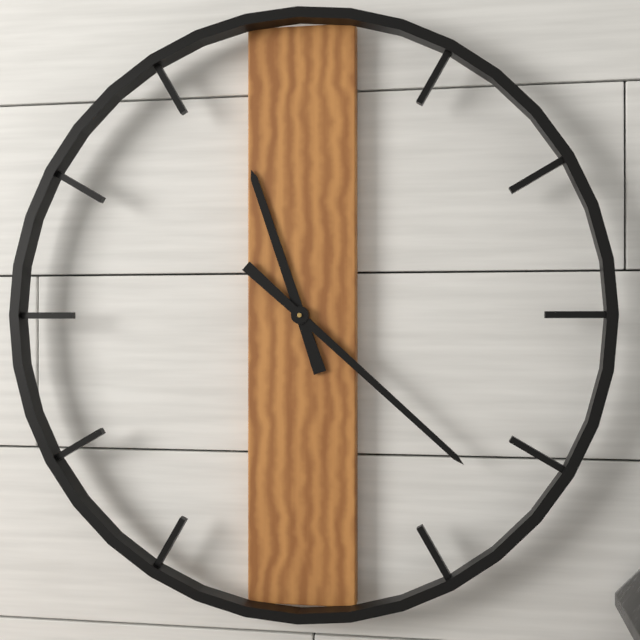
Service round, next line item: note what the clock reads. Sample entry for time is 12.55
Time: 11.22
